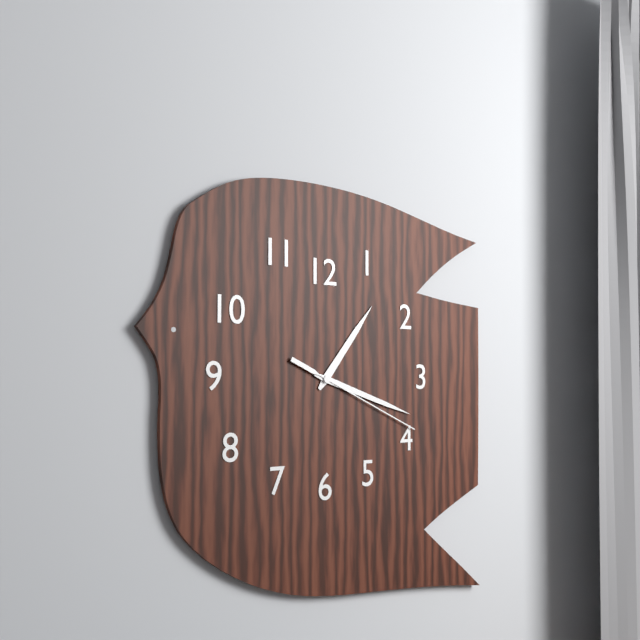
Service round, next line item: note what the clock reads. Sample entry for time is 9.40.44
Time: 1.18.19
